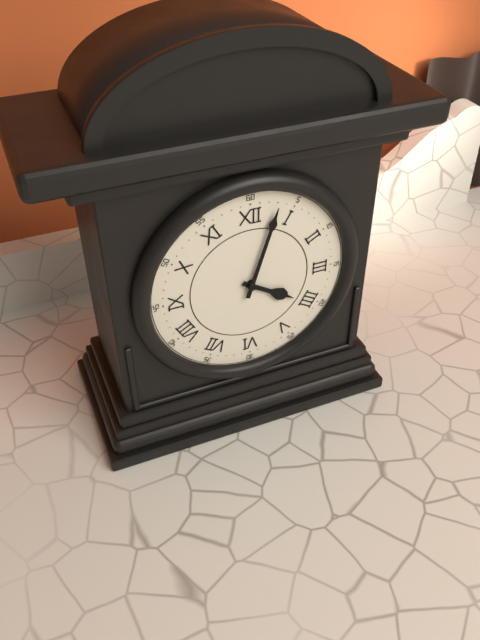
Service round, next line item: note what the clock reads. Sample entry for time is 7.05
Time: 4.03
